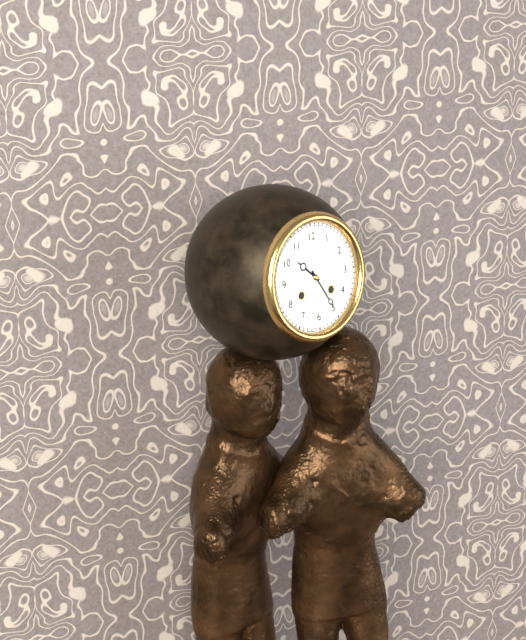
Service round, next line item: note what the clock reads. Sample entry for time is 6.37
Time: 10.25
